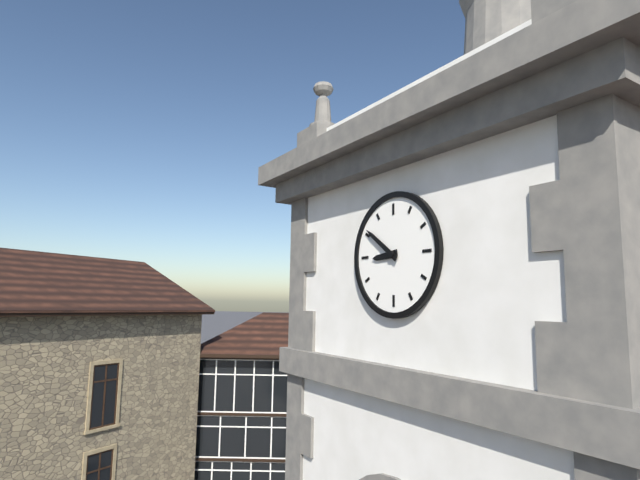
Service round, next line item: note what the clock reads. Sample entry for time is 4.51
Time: 8.51
